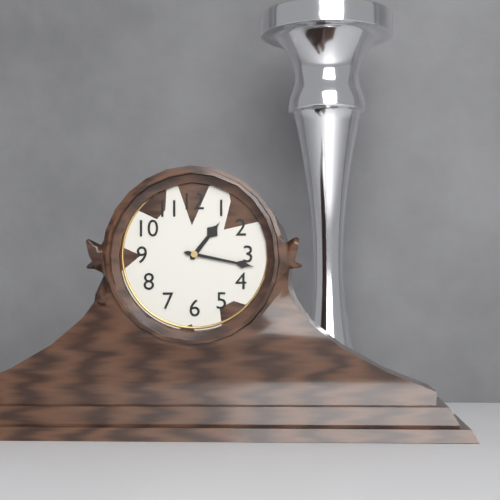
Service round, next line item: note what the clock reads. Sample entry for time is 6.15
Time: 1.17
